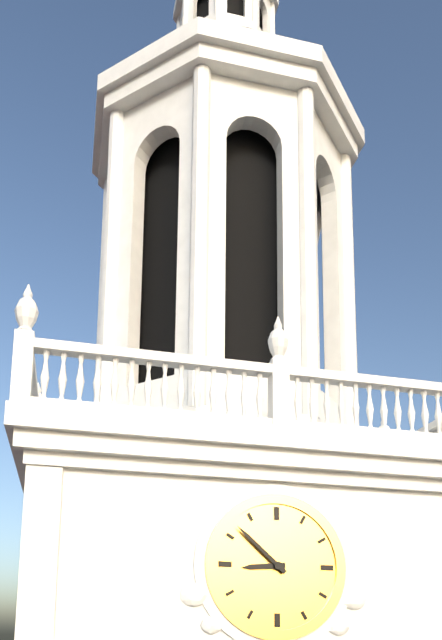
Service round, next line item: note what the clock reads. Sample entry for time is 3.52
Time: 8.52
